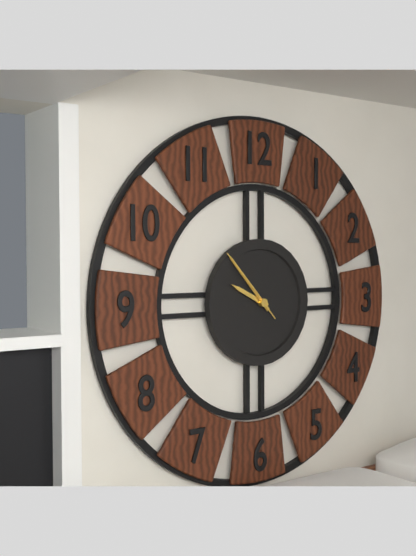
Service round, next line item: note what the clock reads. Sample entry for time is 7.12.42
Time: 9.53.53
